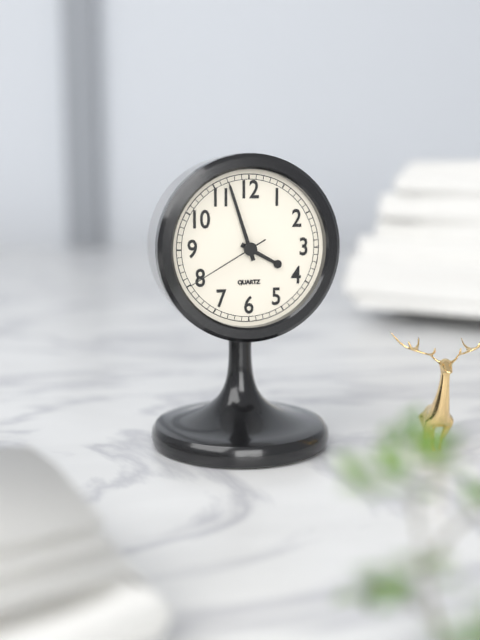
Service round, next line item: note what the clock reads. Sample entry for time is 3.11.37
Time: 3.57.40
